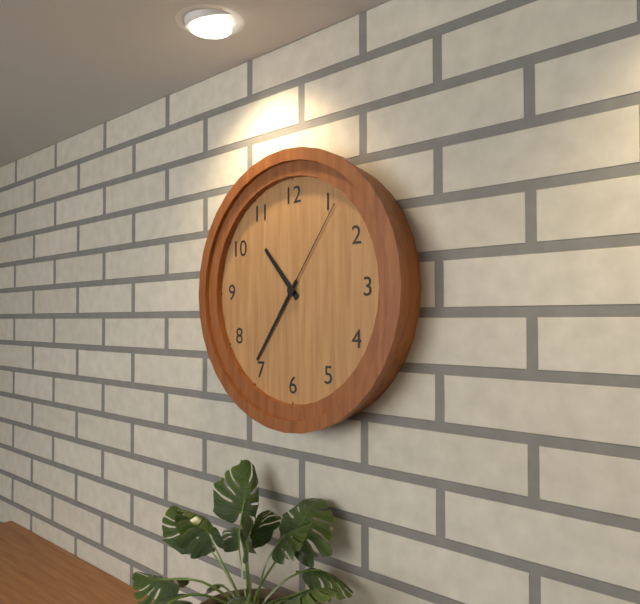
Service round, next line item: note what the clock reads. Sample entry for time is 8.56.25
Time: 10.36.06
